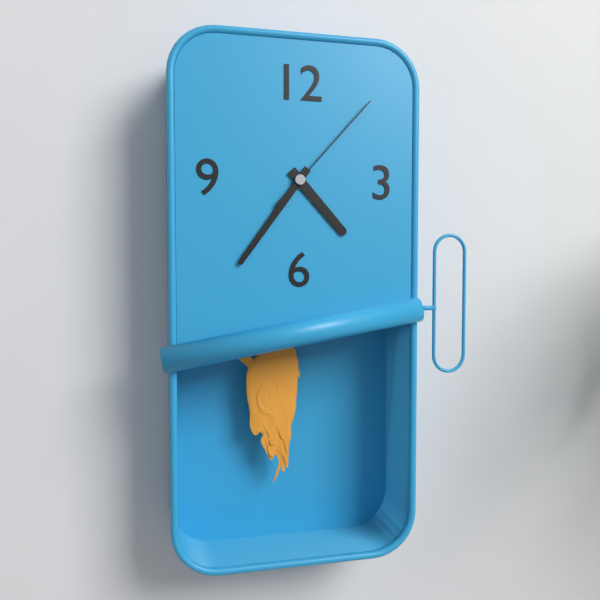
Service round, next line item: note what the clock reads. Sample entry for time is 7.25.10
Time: 4.36.07
